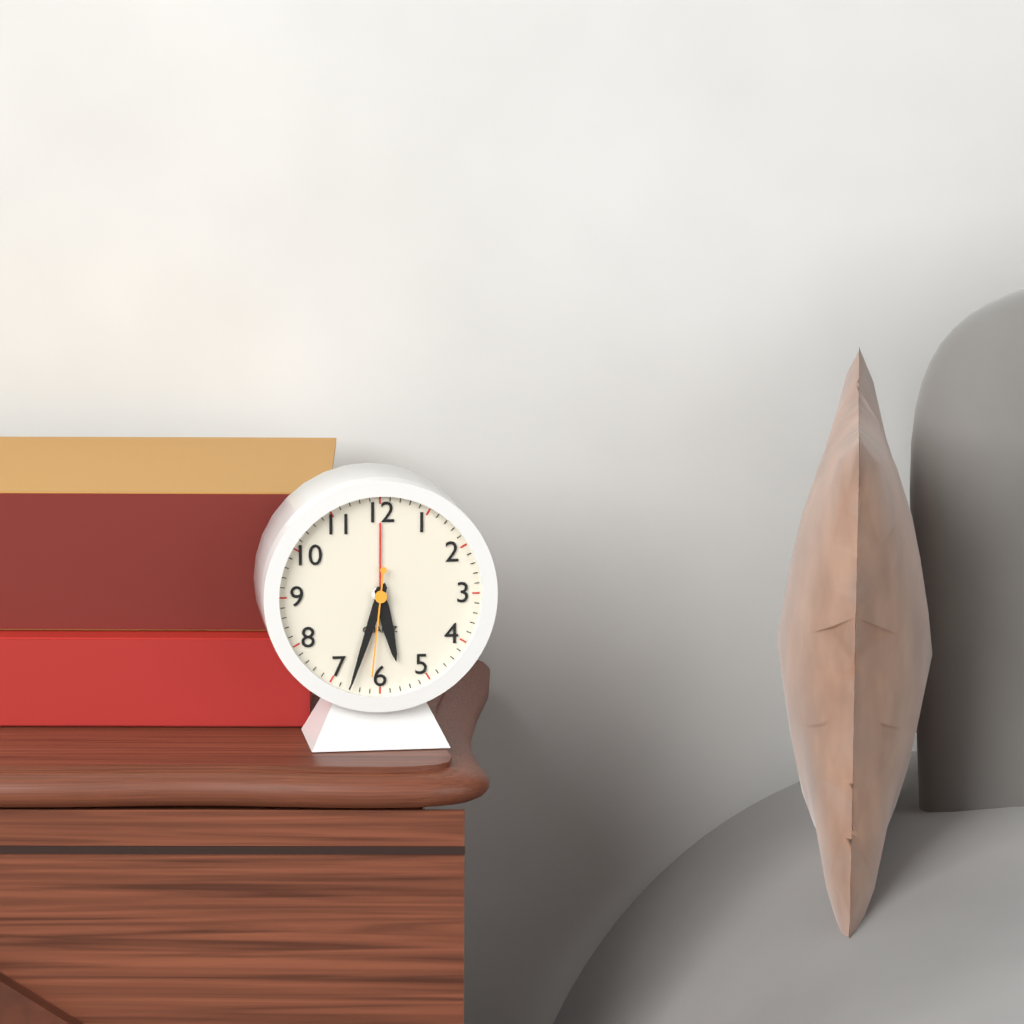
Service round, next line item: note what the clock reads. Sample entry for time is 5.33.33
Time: 5.33.31
